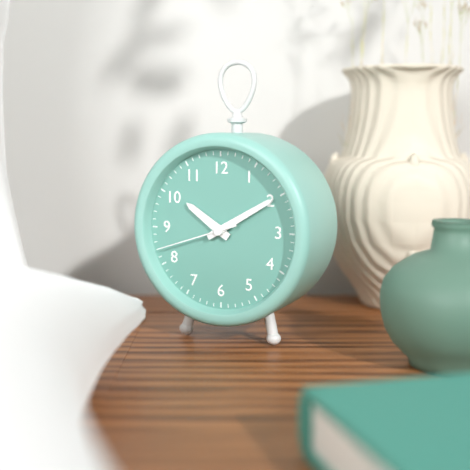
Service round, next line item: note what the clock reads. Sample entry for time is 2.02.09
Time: 10.10.42
